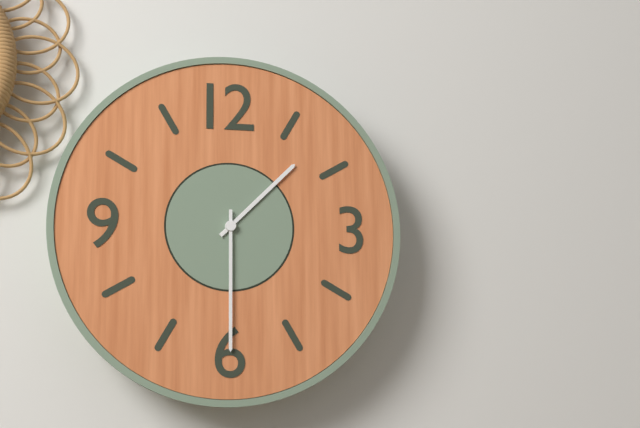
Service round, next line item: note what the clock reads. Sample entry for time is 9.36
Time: 1.30
